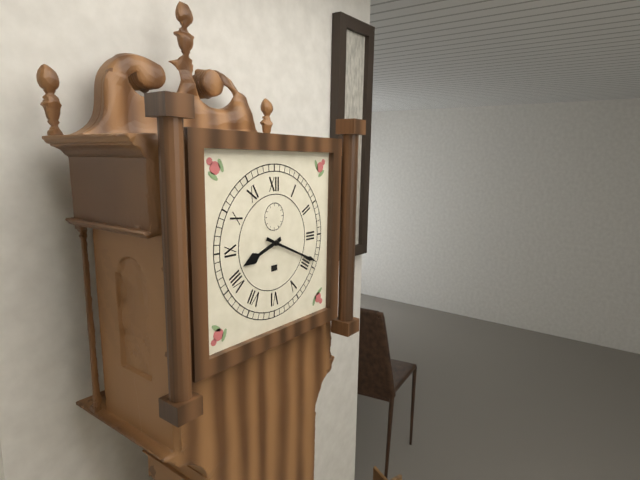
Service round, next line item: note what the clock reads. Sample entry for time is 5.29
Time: 8.19
